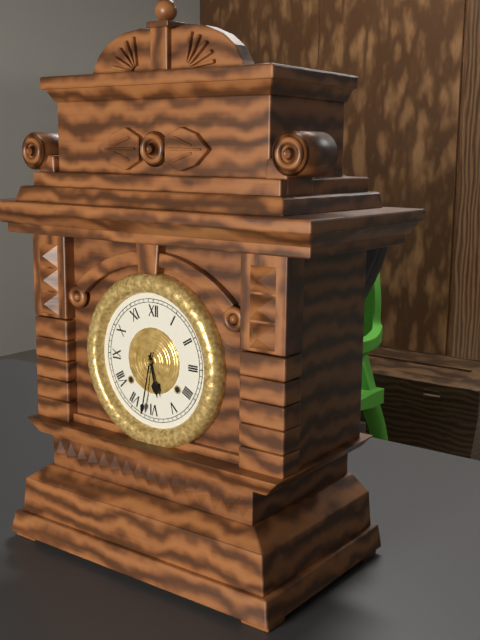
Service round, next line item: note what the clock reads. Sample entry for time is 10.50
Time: 5.32
